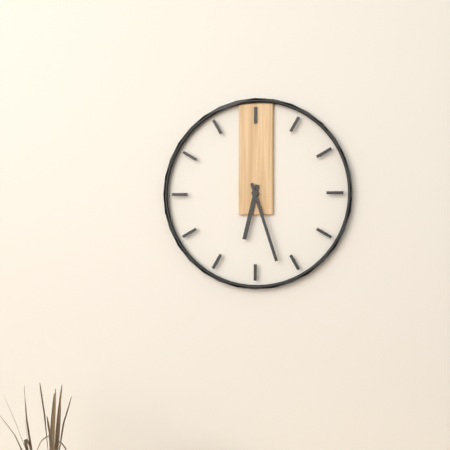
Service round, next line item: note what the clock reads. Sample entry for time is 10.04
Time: 6.27
